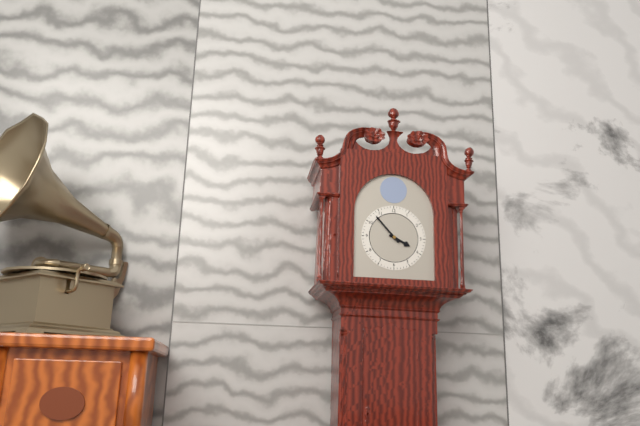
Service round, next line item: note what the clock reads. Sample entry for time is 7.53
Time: 3.53
